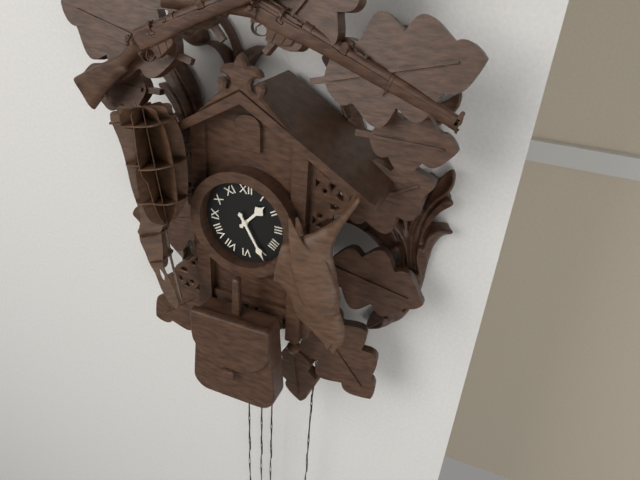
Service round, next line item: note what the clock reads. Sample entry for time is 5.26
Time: 1.25
